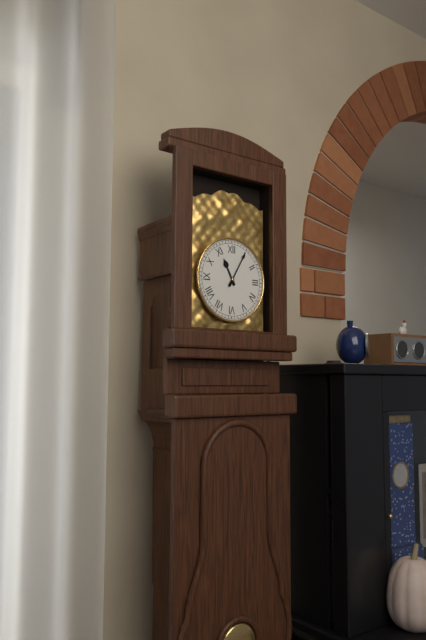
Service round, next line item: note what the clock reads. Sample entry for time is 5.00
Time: 11.05
